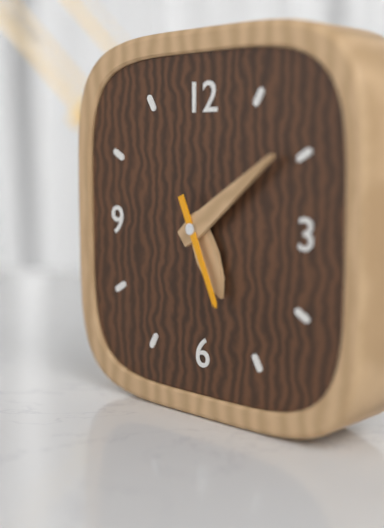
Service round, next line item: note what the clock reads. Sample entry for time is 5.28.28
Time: 5.09.26
